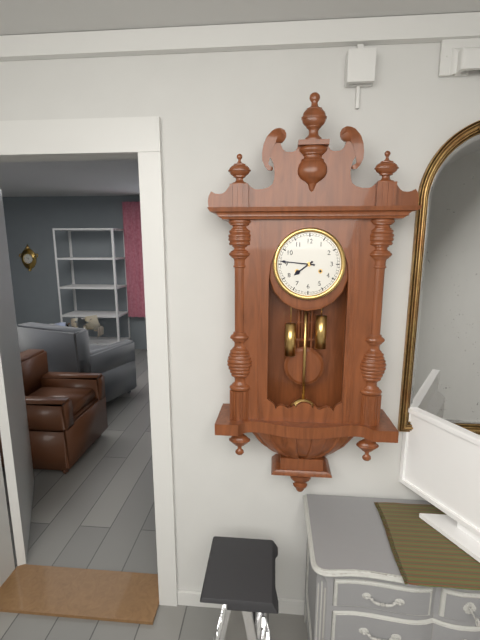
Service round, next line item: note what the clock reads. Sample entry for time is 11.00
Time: 7.46
